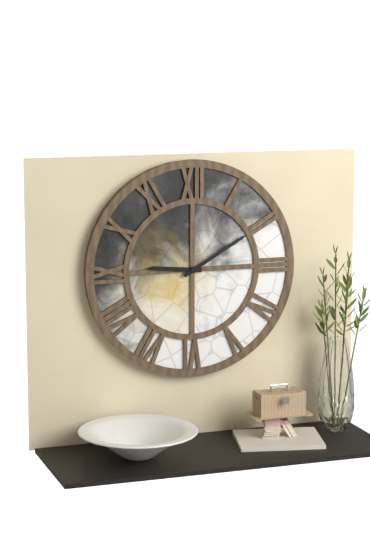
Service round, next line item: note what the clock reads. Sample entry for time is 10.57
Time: 9.10
